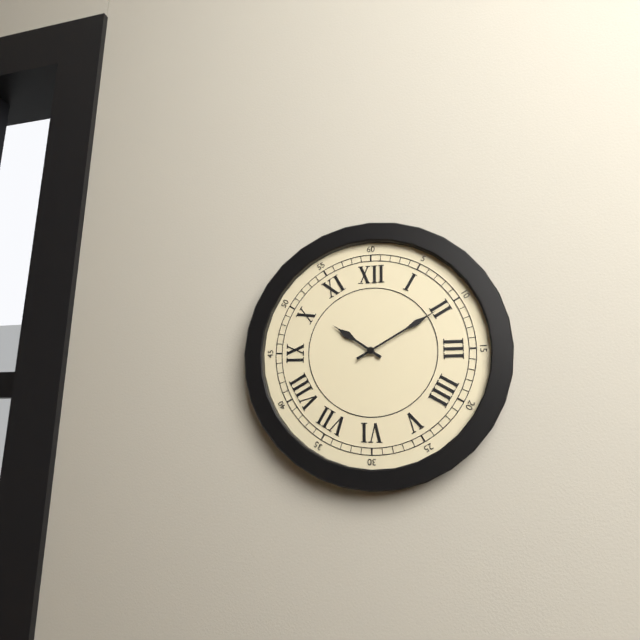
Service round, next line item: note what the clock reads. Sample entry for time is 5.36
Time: 10.10
